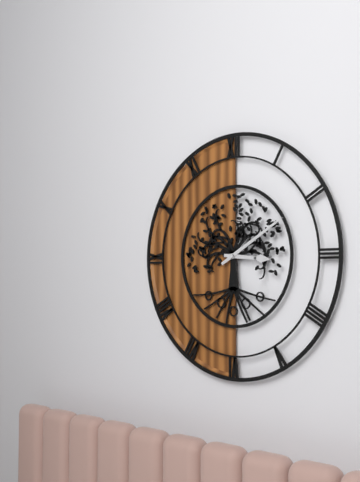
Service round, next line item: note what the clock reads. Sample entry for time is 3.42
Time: 3.10
